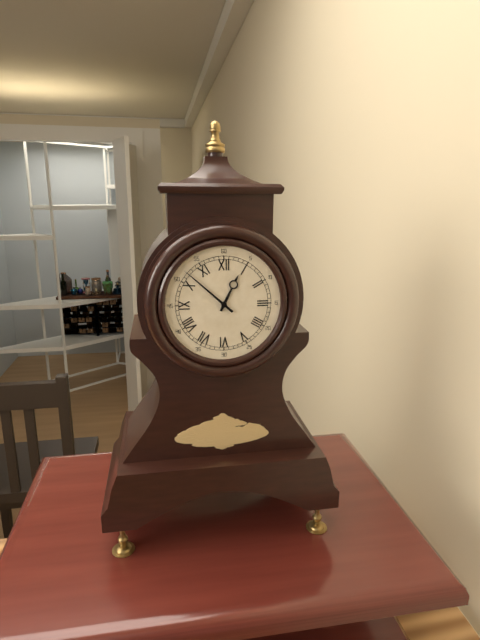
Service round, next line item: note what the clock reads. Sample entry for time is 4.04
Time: 12.52
